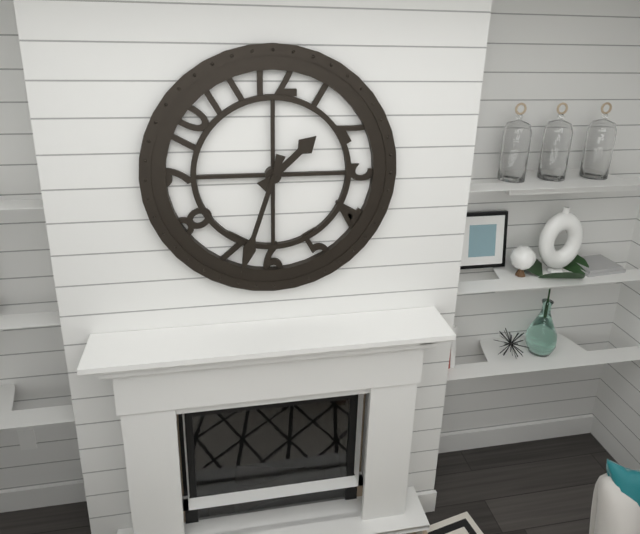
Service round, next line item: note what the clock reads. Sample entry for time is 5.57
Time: 1.33
